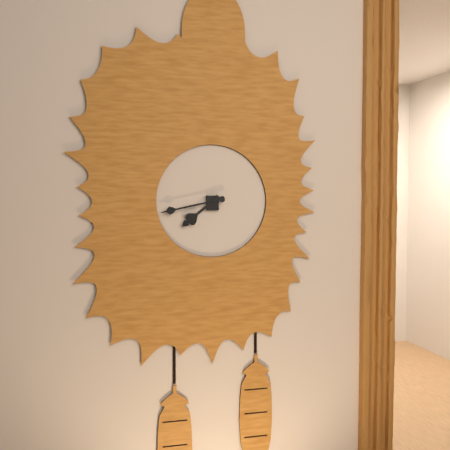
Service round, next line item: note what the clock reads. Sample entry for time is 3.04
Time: 7.43
